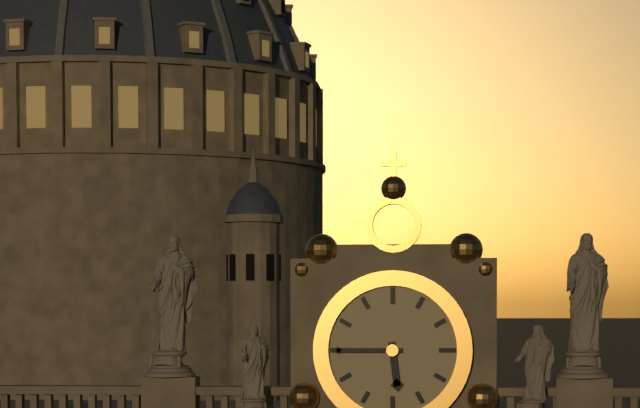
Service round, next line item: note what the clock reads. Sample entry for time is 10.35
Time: 5.45
